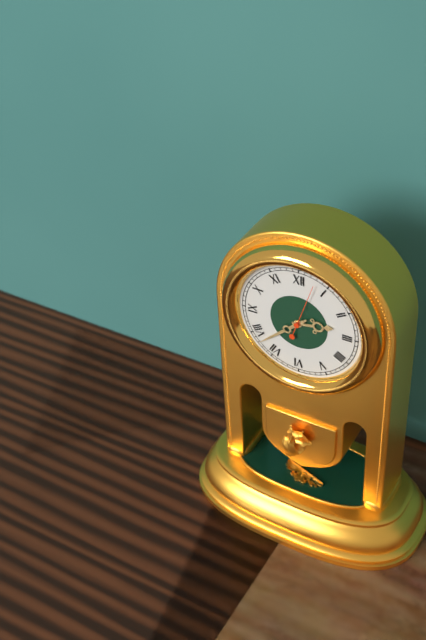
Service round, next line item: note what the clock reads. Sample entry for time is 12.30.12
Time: 2.38.03
